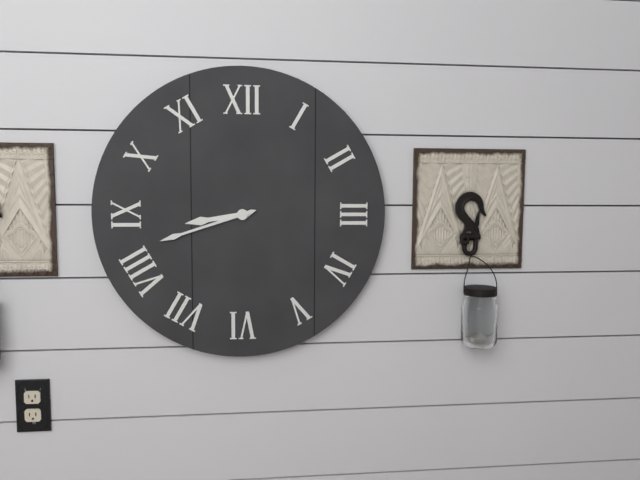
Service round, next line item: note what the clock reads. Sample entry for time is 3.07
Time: 8.42
